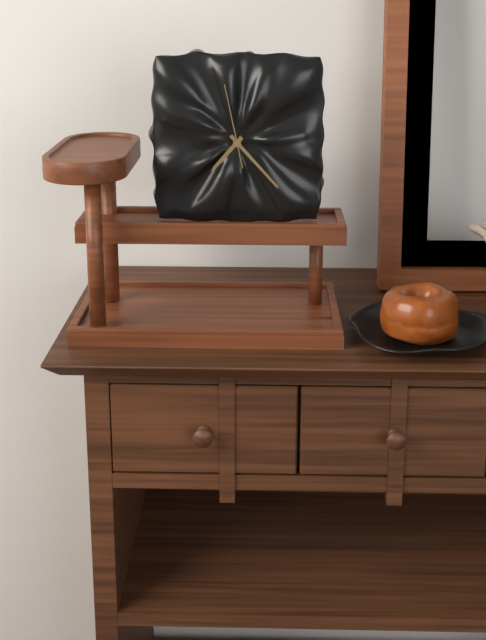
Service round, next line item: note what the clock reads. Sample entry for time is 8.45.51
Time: 7.23.58
